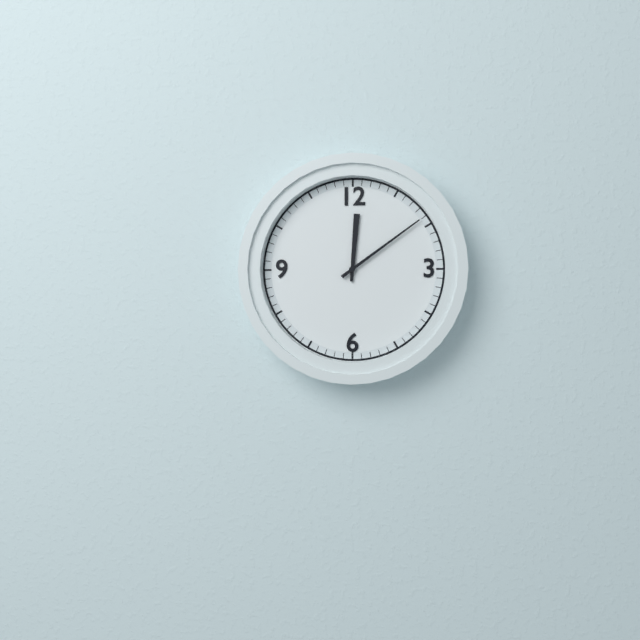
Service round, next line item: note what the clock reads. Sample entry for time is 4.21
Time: 12.09
